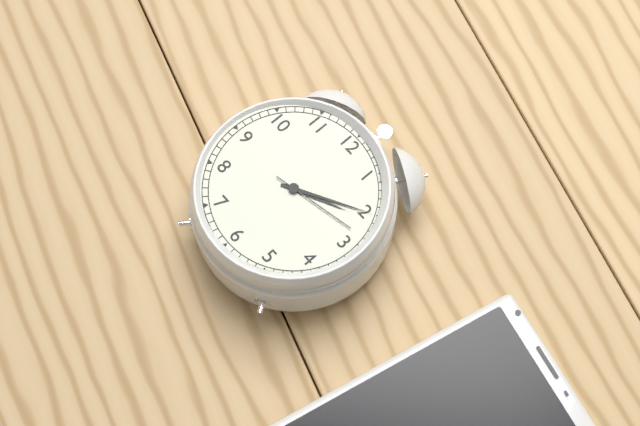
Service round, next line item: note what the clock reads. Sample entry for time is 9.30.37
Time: 2.10.13
